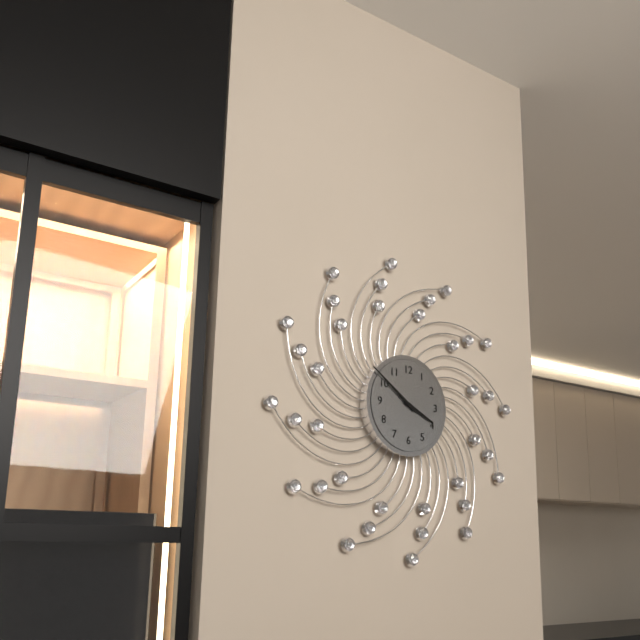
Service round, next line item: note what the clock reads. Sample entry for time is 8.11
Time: 3.51
